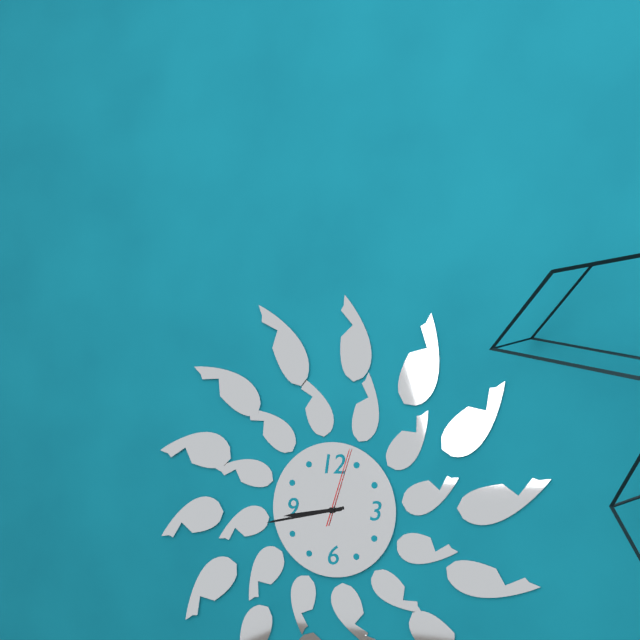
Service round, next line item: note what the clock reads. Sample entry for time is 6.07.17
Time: 8.43.03
